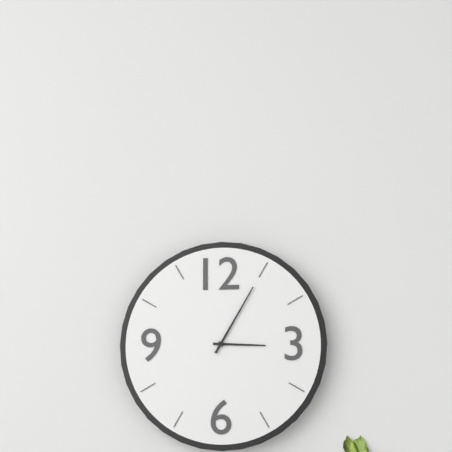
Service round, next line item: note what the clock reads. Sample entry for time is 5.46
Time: 3.05
